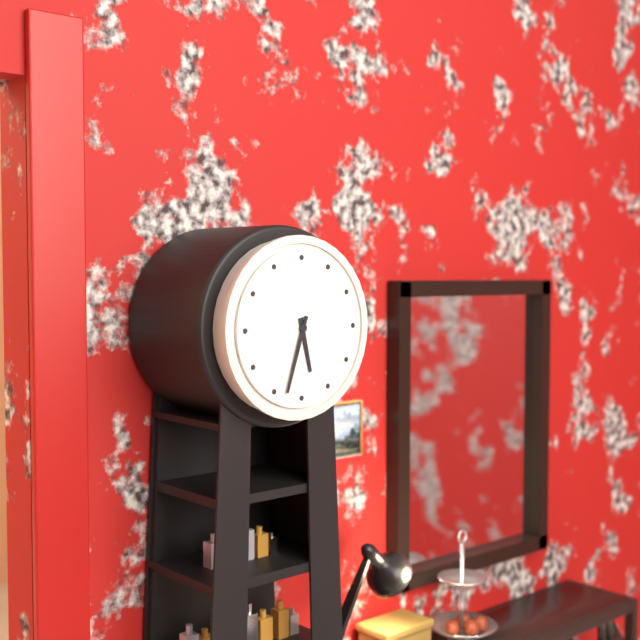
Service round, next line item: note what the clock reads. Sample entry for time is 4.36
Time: 5.33
